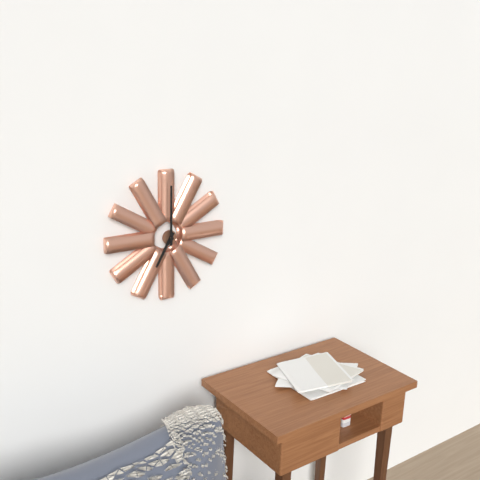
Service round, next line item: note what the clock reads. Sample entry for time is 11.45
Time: 7.00
